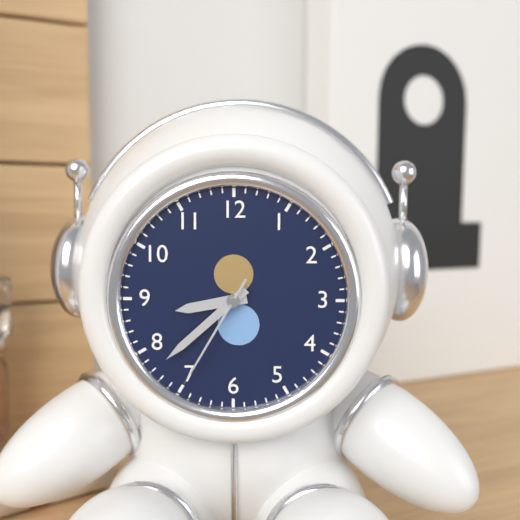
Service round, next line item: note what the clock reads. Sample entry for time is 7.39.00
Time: 8.38.35
